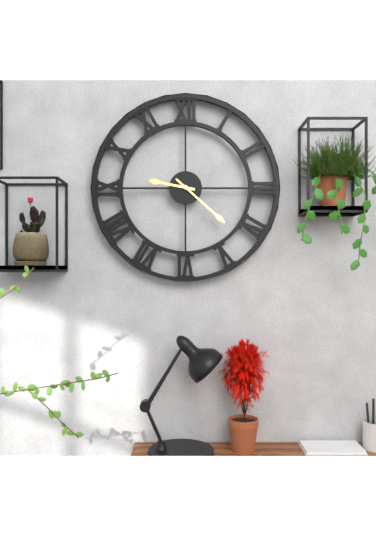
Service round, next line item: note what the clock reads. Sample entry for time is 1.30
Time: 9.22
